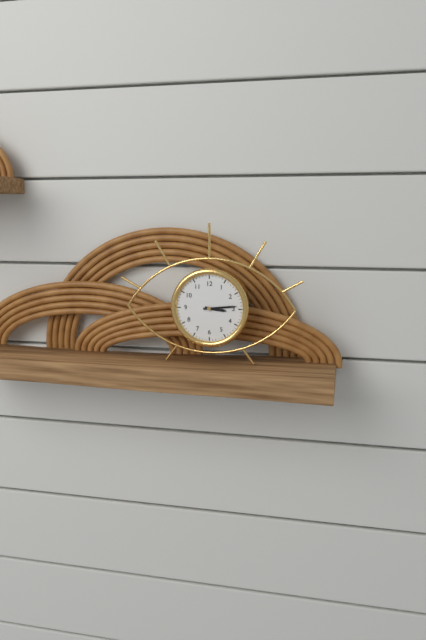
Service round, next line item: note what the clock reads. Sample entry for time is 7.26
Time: 3.14
